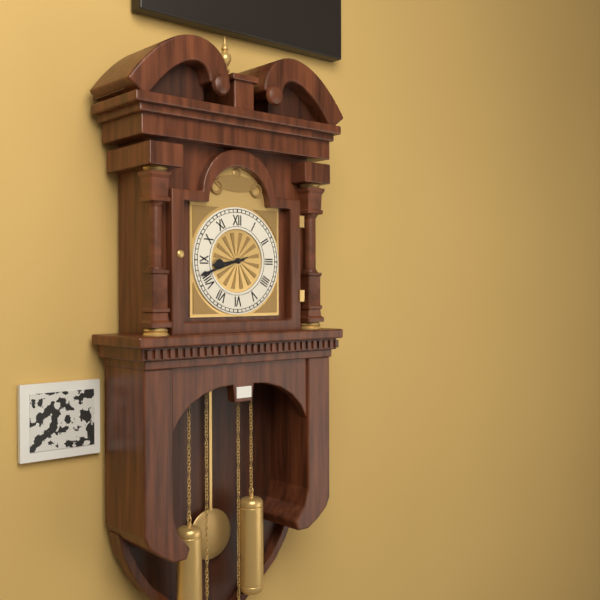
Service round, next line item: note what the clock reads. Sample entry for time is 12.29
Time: 8.42
